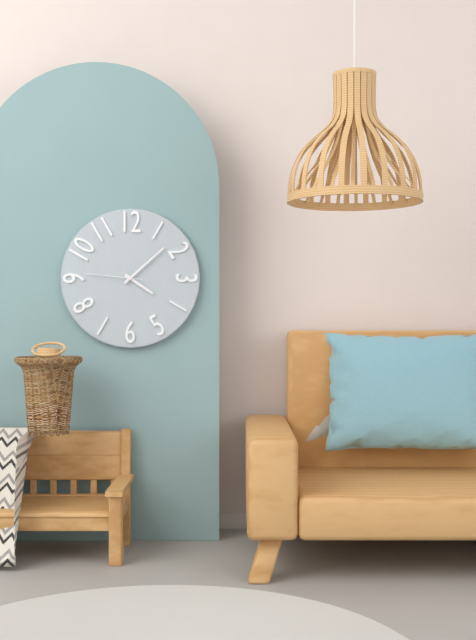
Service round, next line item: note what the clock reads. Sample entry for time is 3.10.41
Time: 4.08.46
